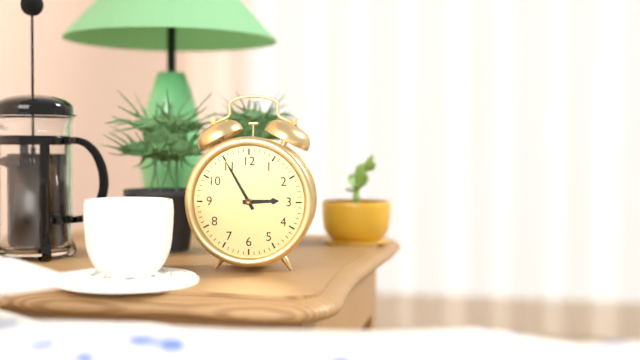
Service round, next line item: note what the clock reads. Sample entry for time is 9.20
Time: 2.55
